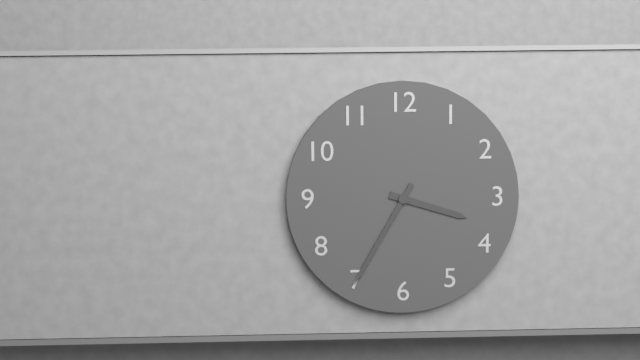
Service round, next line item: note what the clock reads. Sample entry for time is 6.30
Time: 3.35
